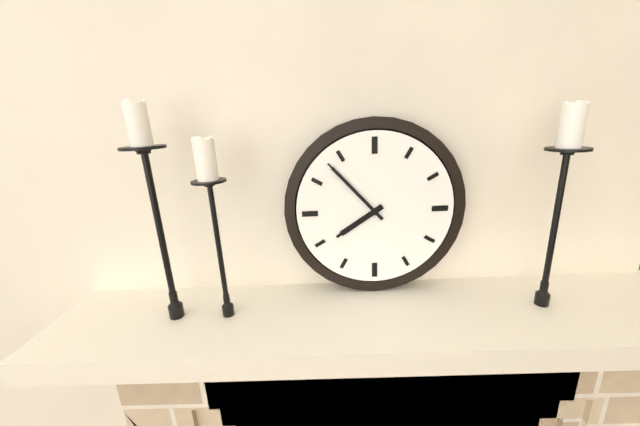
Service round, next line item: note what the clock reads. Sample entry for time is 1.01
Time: 7.53
